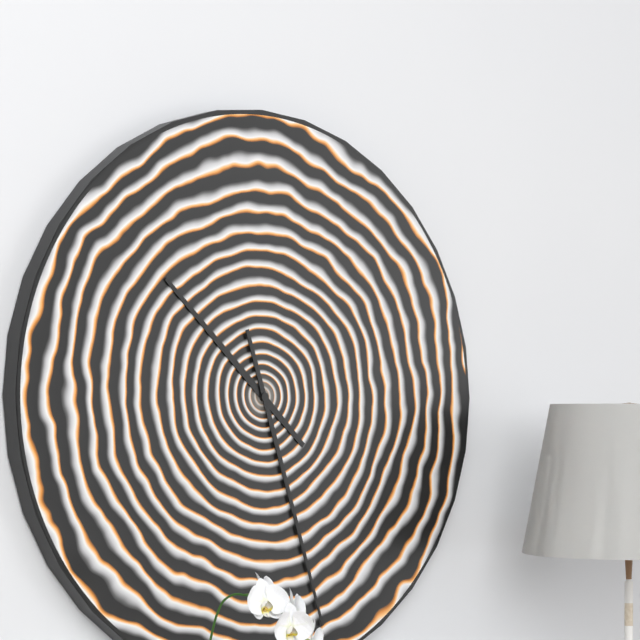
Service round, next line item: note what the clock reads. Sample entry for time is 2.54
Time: 10.27
